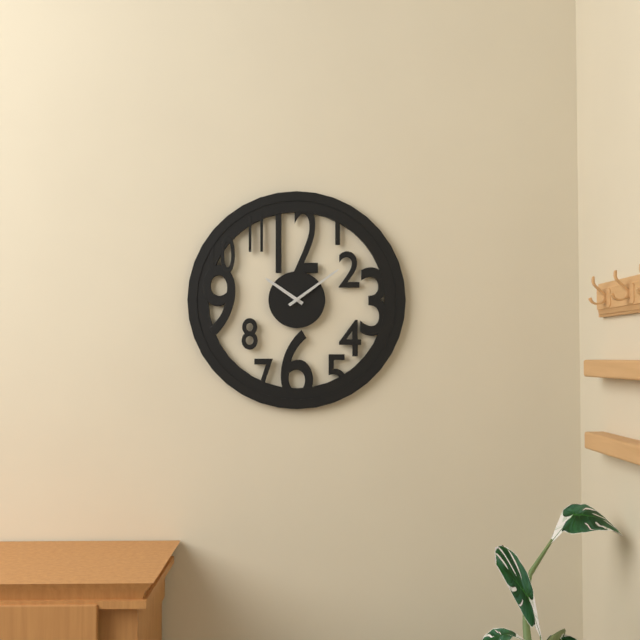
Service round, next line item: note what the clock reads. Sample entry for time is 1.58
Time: 10.09
